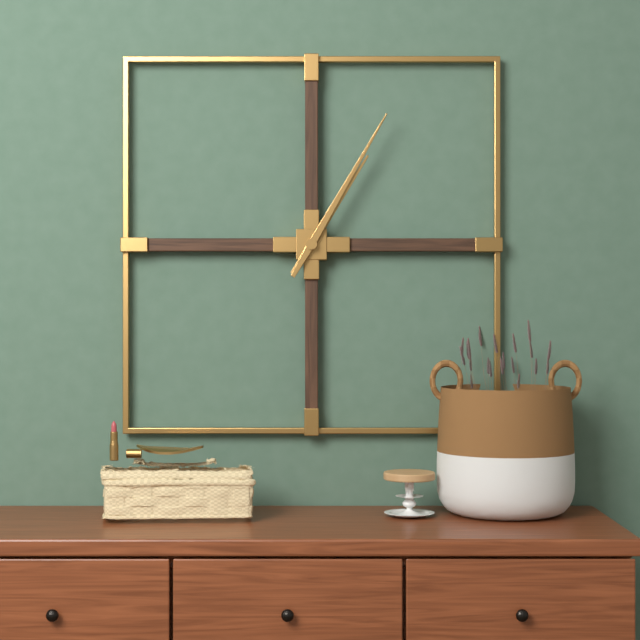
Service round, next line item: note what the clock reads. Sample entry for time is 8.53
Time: 1.05
